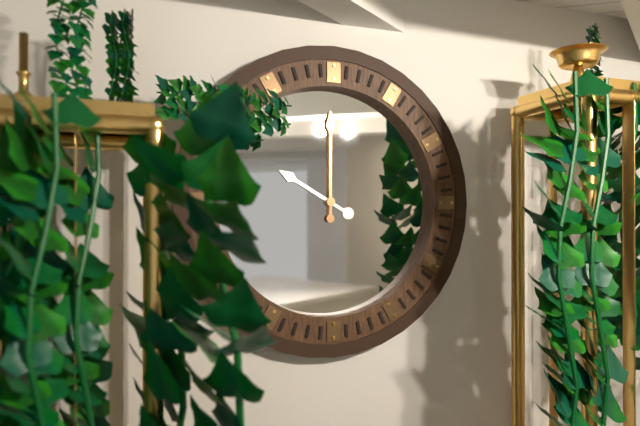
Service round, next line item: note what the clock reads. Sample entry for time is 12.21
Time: 10.00
